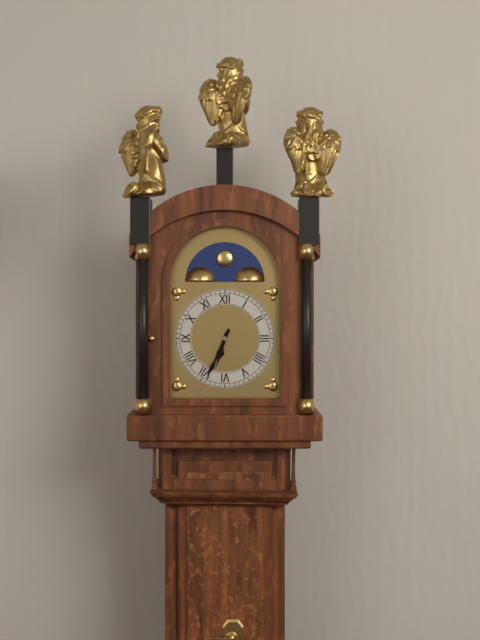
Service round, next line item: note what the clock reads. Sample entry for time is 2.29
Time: 6.34
